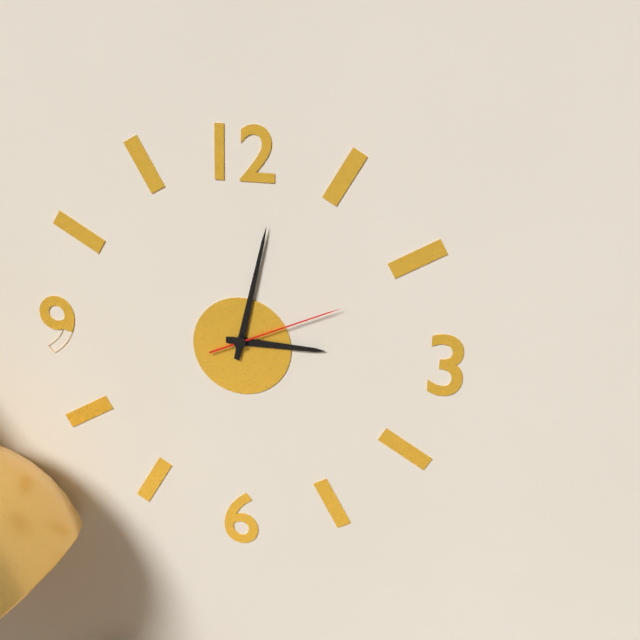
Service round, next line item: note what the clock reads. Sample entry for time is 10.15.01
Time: 3.02.11
